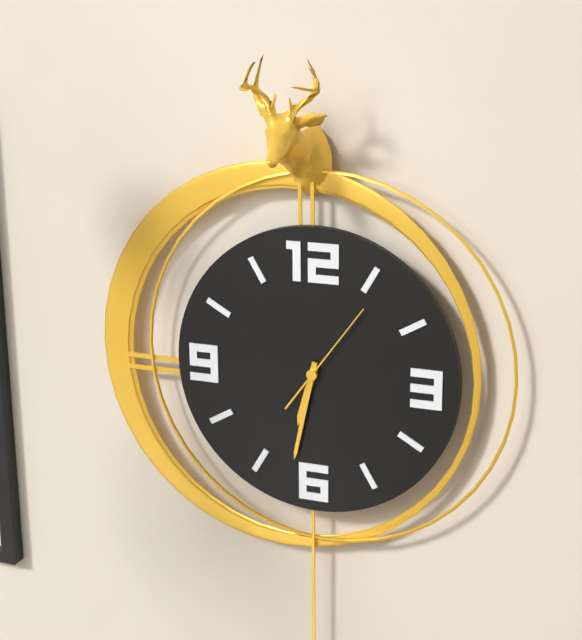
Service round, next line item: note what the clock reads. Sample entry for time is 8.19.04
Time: 6.32.06
